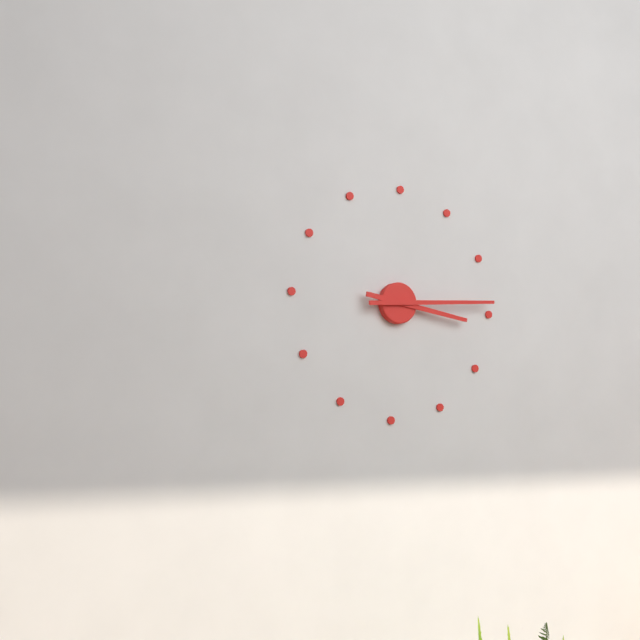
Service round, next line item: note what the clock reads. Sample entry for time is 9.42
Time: 3.14
